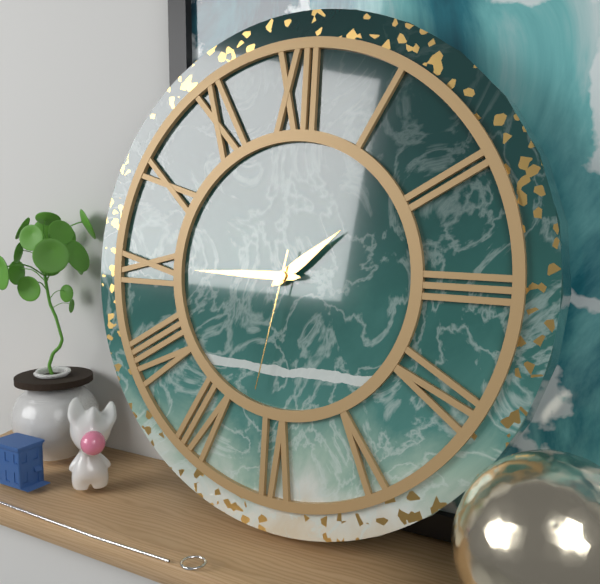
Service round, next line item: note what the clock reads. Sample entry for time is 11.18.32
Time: 1.45.32
